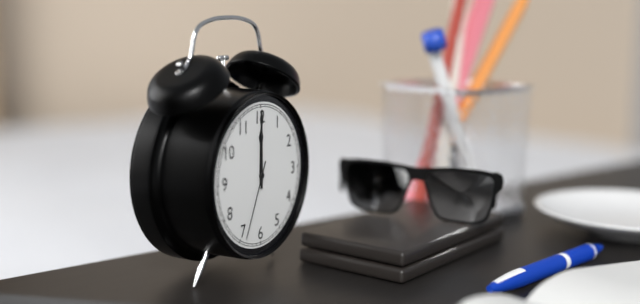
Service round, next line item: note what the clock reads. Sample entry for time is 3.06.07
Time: 12.00.34
